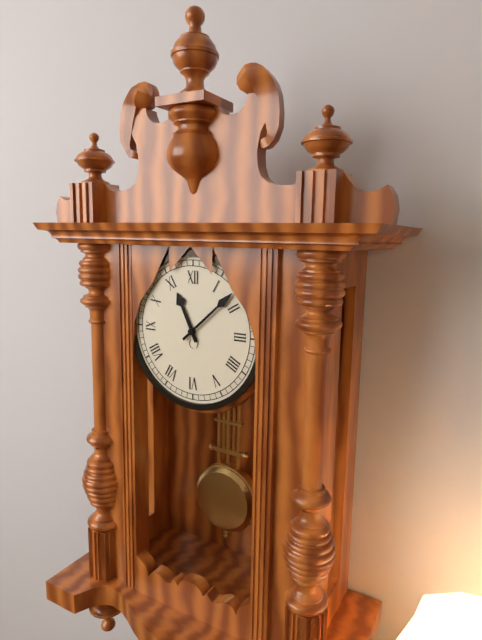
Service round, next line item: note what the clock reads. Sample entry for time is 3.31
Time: 11.08
